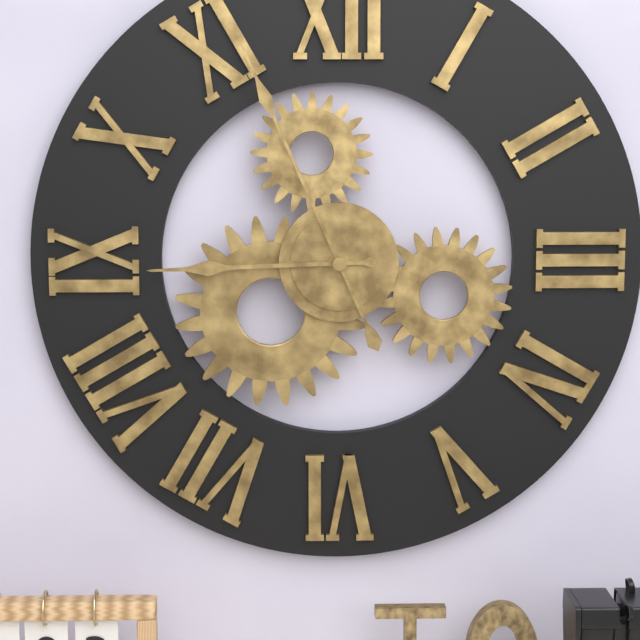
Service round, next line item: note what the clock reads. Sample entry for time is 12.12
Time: 8.56
